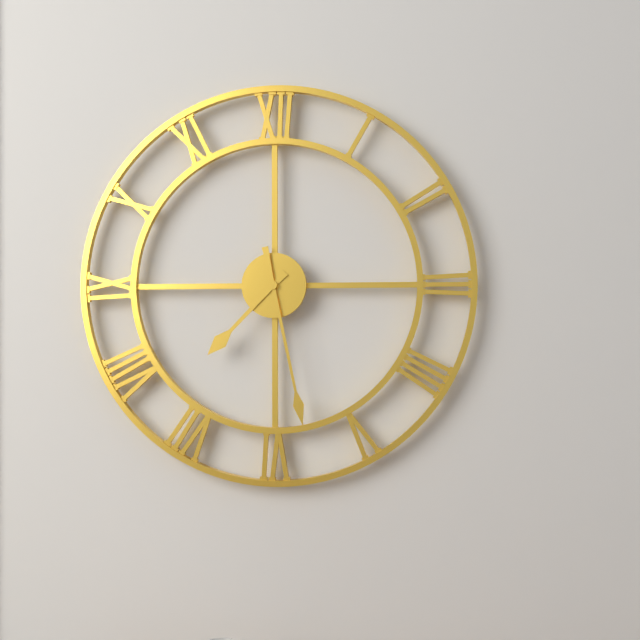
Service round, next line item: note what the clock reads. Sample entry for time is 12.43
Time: 7.28
